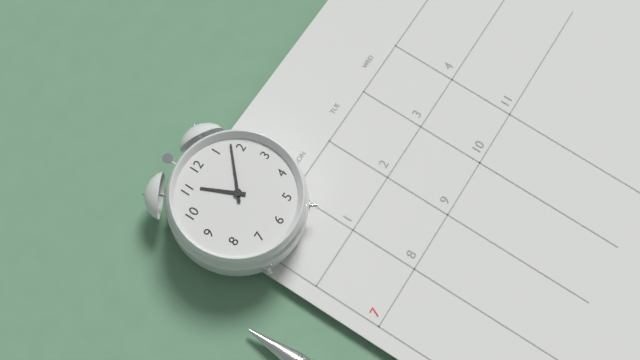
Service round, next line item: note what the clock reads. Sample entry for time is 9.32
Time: 11.08
